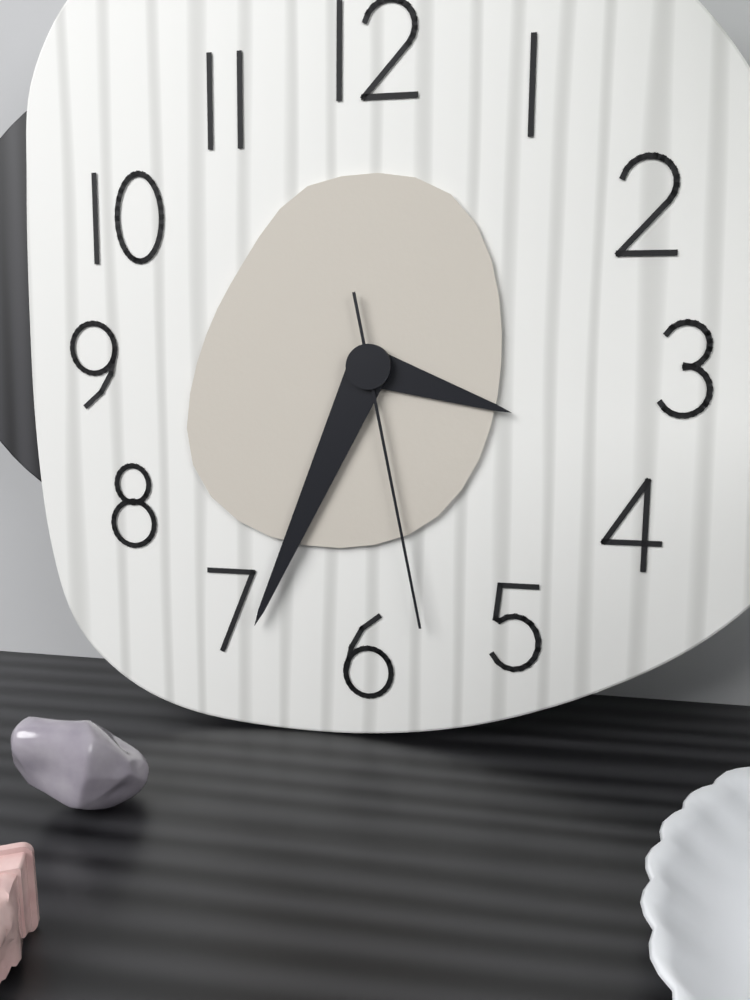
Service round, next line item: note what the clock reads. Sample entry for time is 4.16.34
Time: 3.34.28
